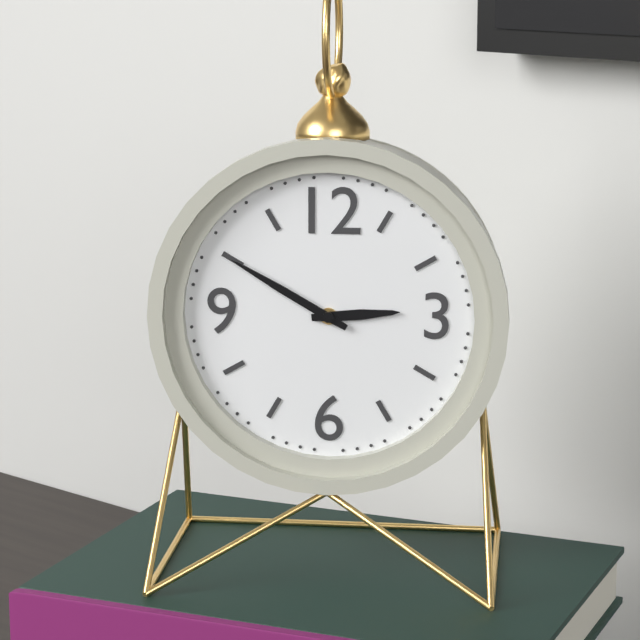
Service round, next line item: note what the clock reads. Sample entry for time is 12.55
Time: 2.50
